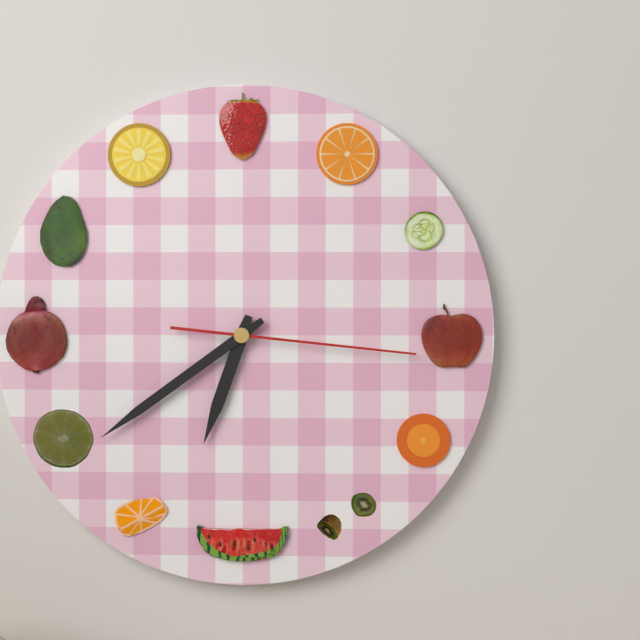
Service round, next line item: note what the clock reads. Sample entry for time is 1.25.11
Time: 6.39.16
